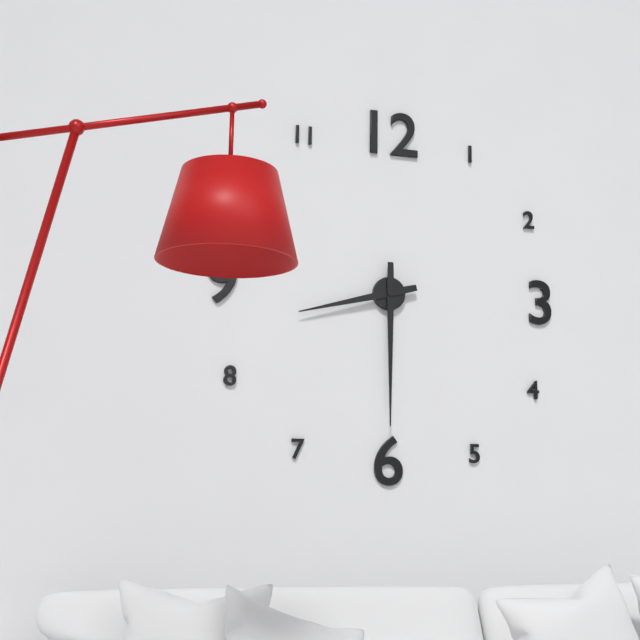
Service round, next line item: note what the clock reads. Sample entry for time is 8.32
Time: 8.30
